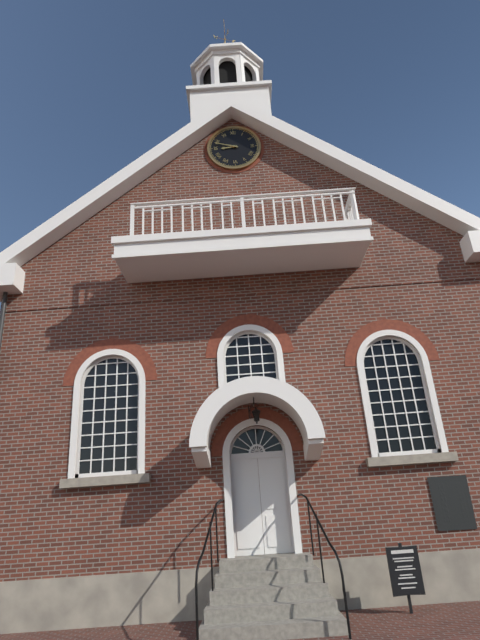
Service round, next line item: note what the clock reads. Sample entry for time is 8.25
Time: 8.48
